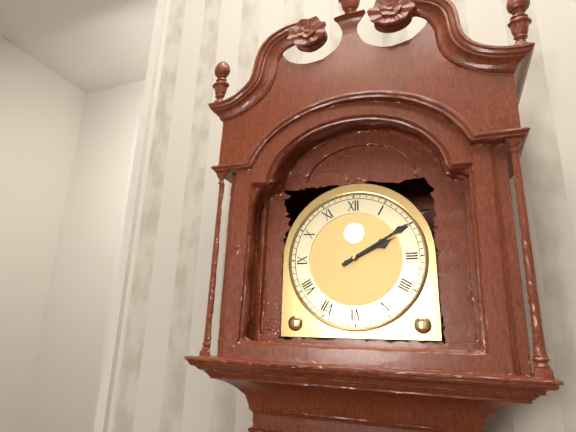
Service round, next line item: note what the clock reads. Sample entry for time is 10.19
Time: 2.10
